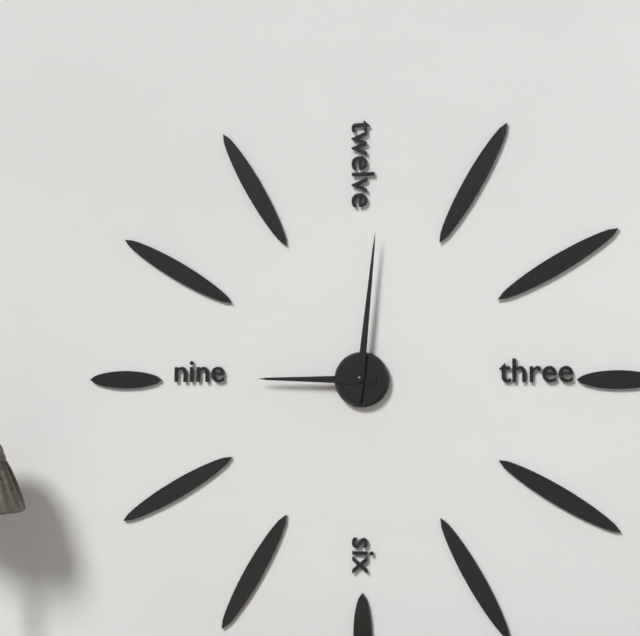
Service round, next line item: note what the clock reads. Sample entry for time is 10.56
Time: 9.01
